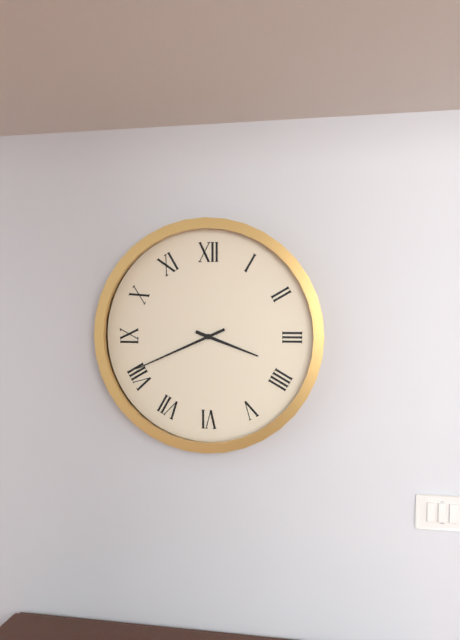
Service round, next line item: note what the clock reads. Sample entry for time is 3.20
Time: 3.41
